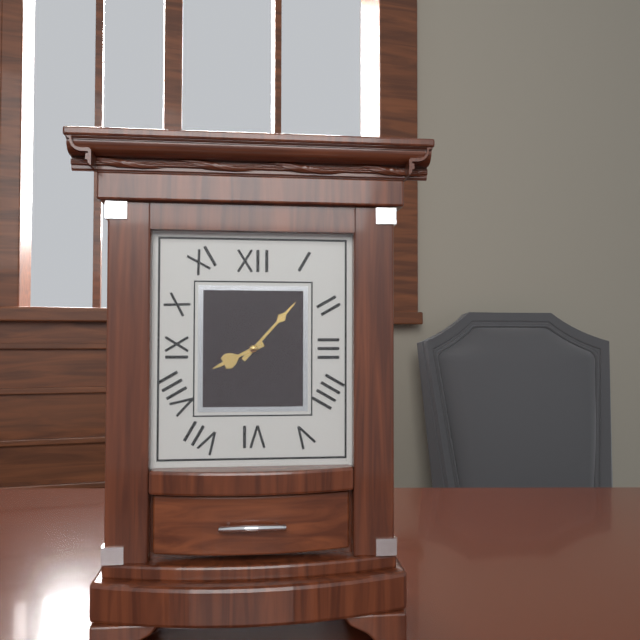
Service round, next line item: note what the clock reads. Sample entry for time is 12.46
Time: 8.07
